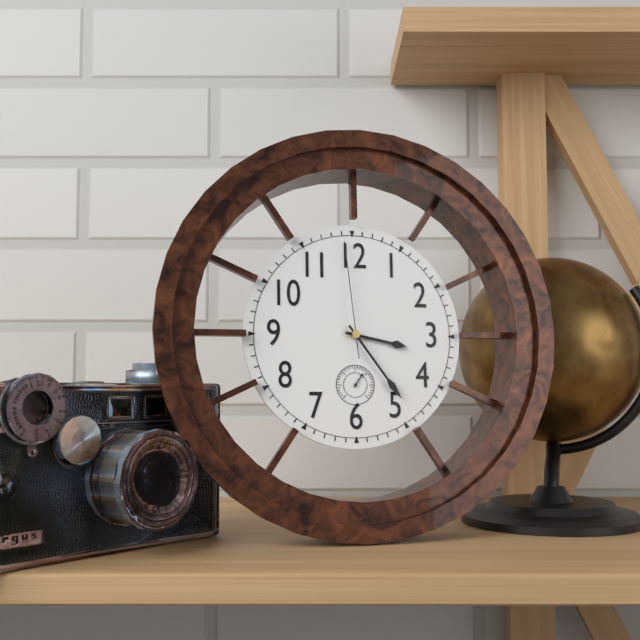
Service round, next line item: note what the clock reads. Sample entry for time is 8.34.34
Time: 3.24.59
